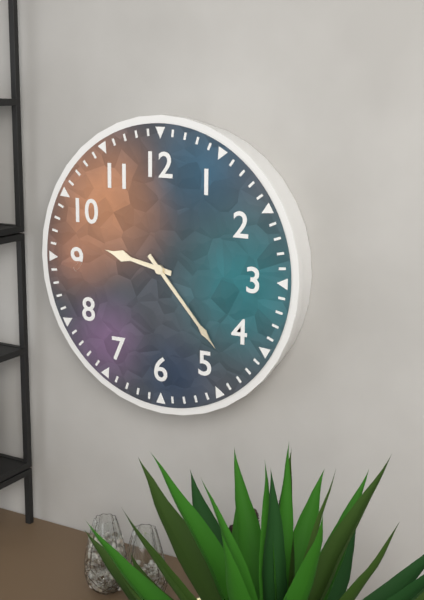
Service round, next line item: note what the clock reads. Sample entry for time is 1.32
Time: 9.23
